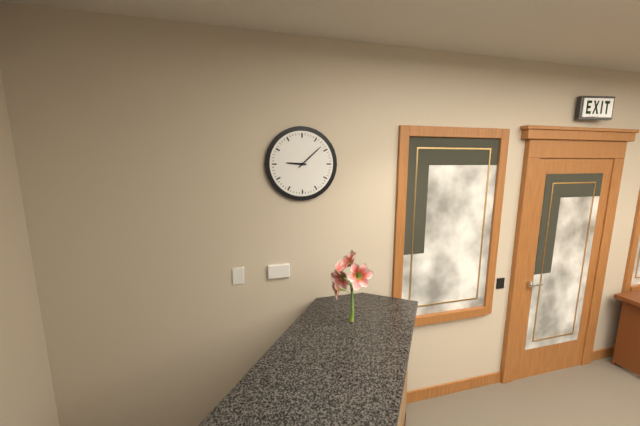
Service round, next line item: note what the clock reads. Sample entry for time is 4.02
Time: 9.08
